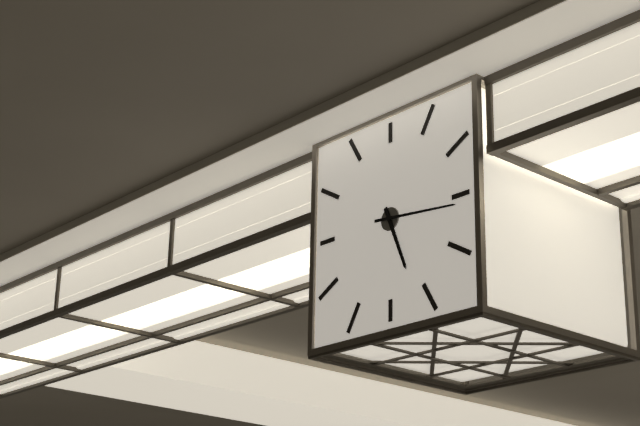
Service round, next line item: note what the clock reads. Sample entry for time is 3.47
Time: 5.16
